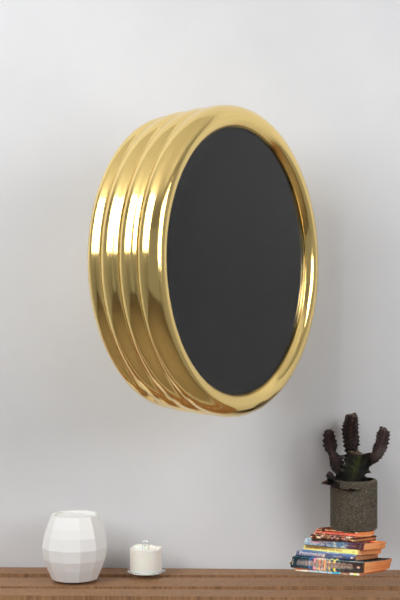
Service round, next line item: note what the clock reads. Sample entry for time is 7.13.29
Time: 6.25.09
